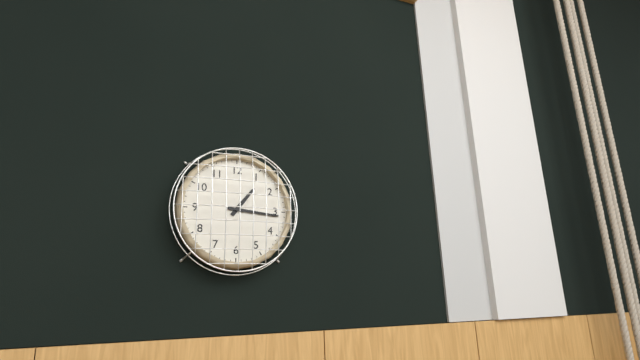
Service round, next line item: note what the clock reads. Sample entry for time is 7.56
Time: 1.16
